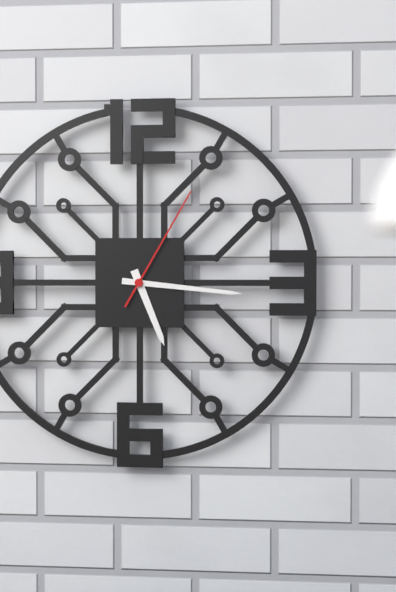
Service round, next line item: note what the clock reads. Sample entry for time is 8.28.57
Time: 5.16.05
